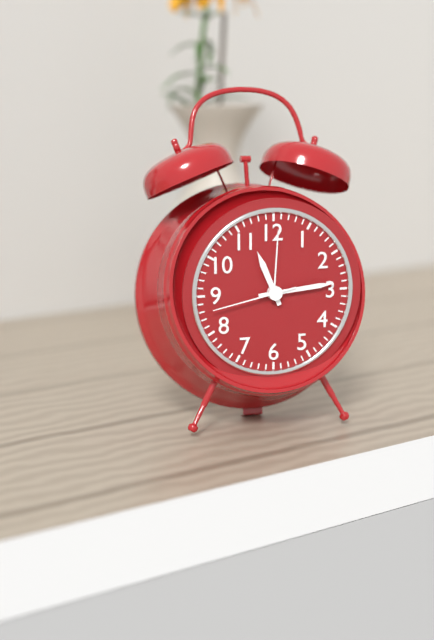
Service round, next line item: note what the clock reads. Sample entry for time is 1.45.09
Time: 11.14.43
